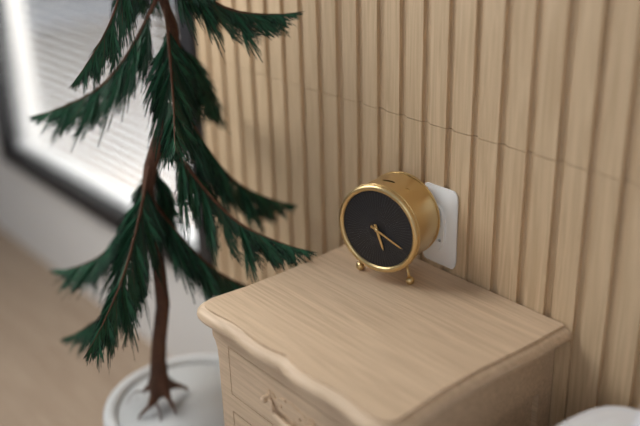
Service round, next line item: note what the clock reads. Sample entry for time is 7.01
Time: 5.19
